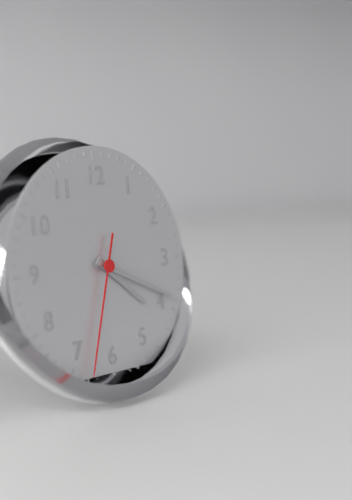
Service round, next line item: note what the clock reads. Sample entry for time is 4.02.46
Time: 4.19.33
